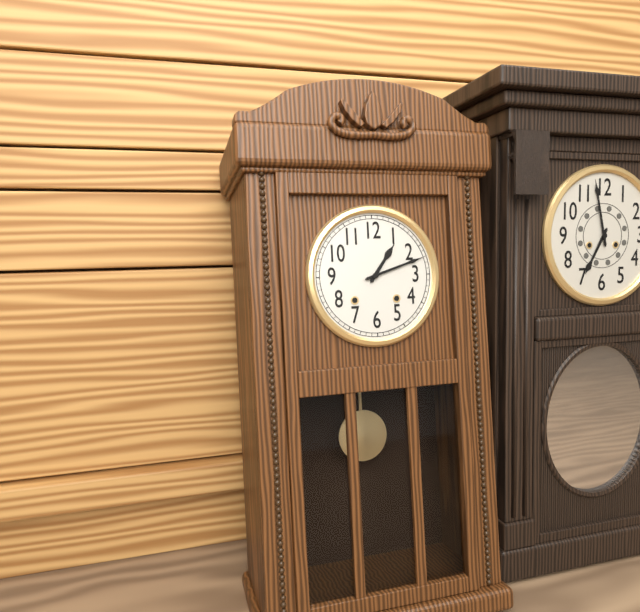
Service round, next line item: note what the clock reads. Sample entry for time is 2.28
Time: 1.12
